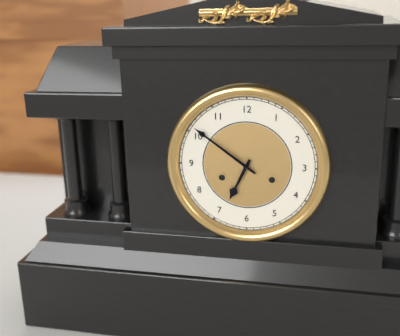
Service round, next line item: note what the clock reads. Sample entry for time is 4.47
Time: 6.51
